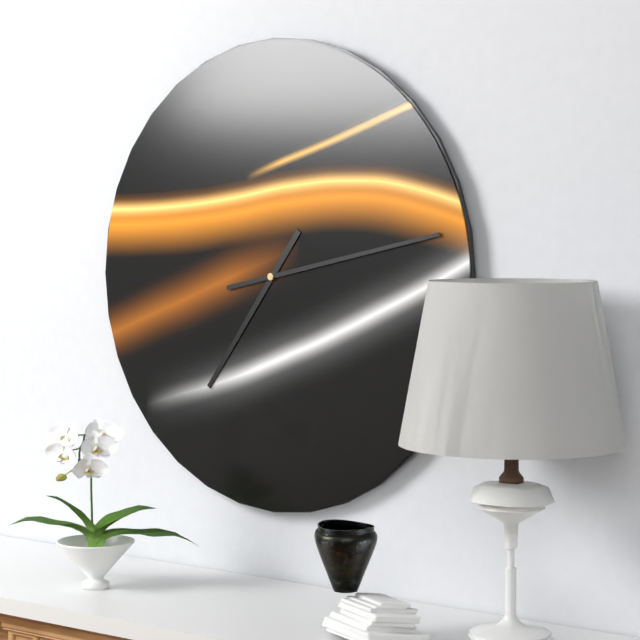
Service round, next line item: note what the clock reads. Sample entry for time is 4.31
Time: 7.13
